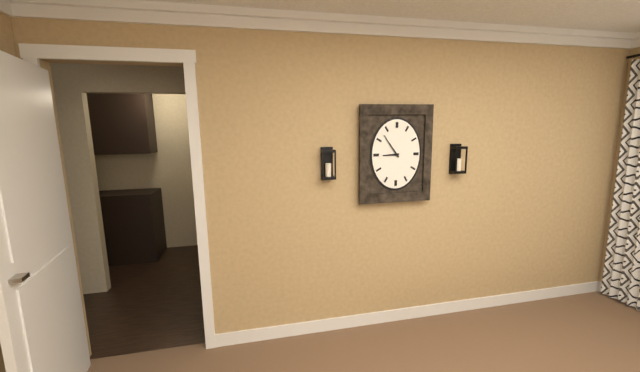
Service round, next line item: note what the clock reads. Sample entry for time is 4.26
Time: 8.54
